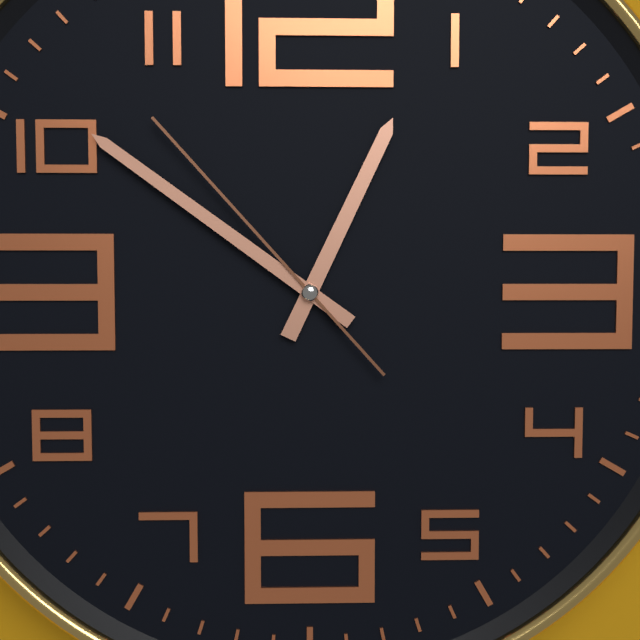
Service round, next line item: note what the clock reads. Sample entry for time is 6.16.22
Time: 12.51.53
